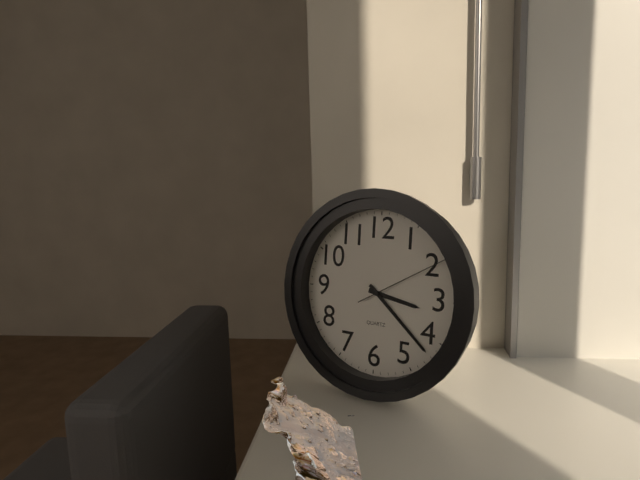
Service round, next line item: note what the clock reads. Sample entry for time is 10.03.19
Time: 3.22.10
